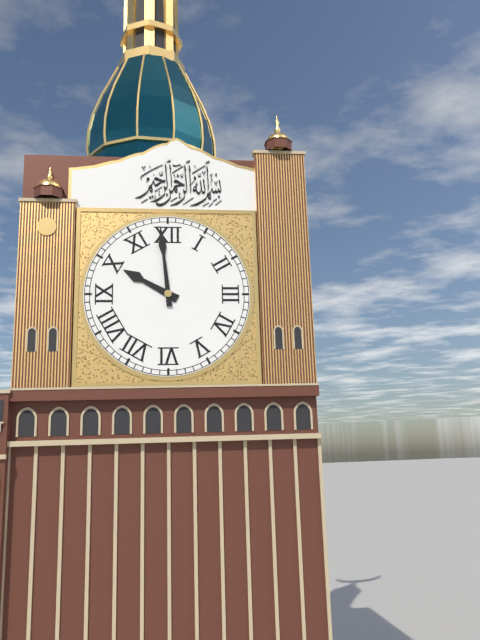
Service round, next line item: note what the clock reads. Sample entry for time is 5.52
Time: 9.59
